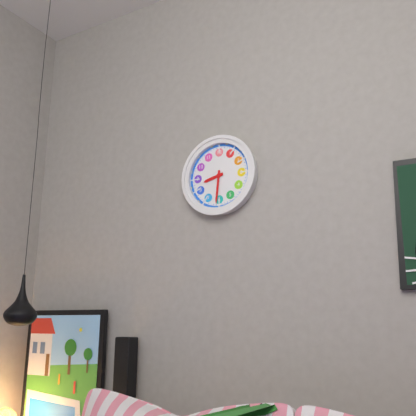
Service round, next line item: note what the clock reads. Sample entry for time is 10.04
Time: 8.31
